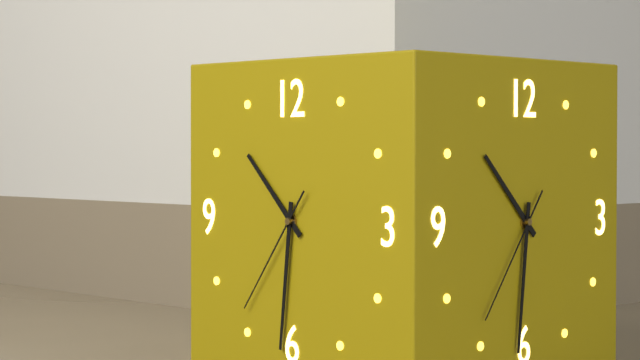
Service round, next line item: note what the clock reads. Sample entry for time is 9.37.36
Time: 10.31.36
